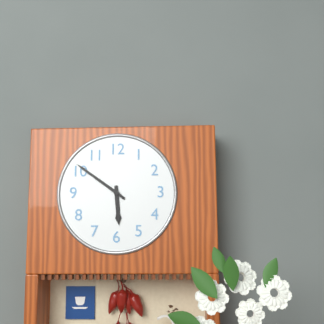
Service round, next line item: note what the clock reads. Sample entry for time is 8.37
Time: 5.51
